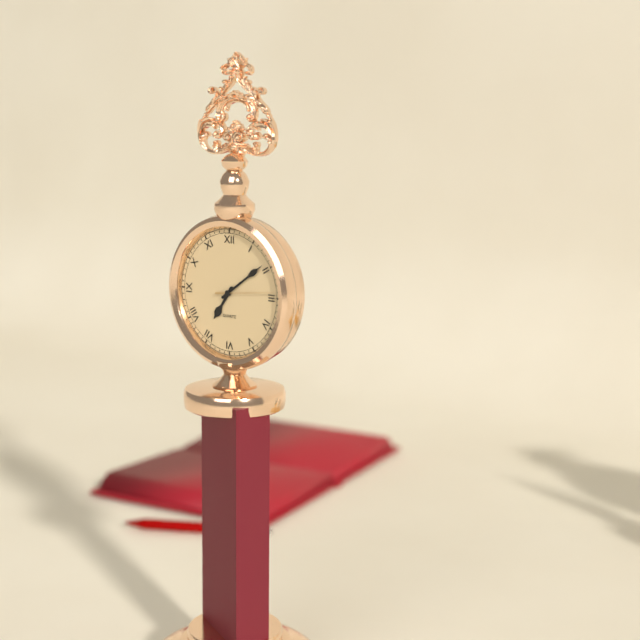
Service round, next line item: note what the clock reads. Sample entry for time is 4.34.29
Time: 7.09.14
